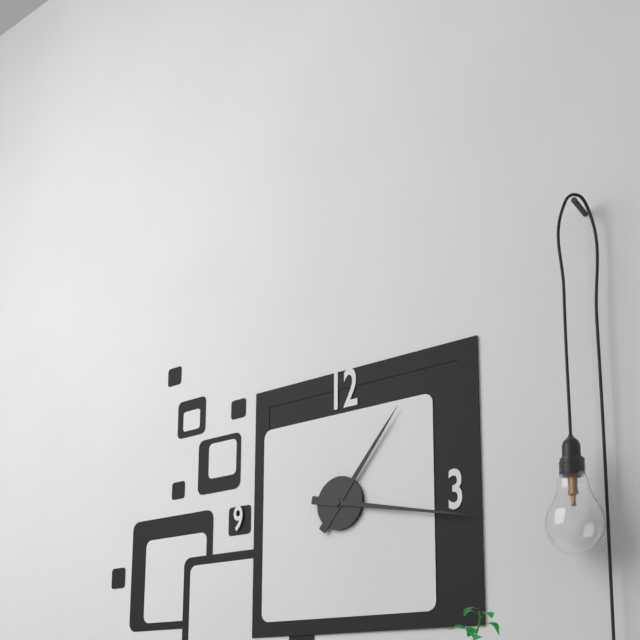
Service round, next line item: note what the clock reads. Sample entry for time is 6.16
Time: 1.17
